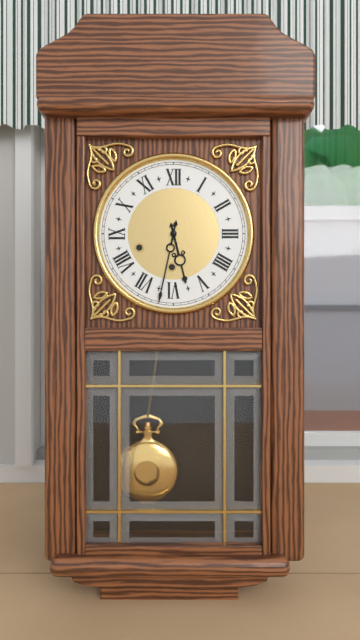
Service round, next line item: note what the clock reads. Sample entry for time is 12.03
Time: 5.32
